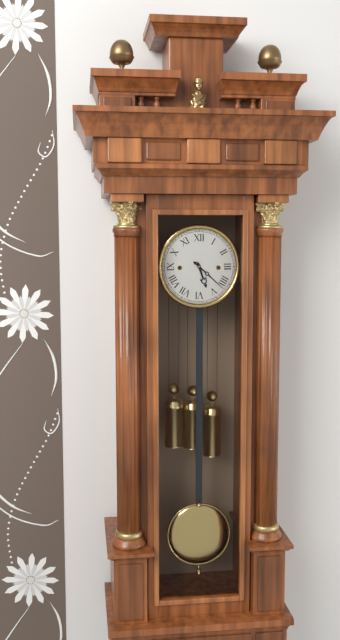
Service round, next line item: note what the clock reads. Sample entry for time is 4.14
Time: 5.22
